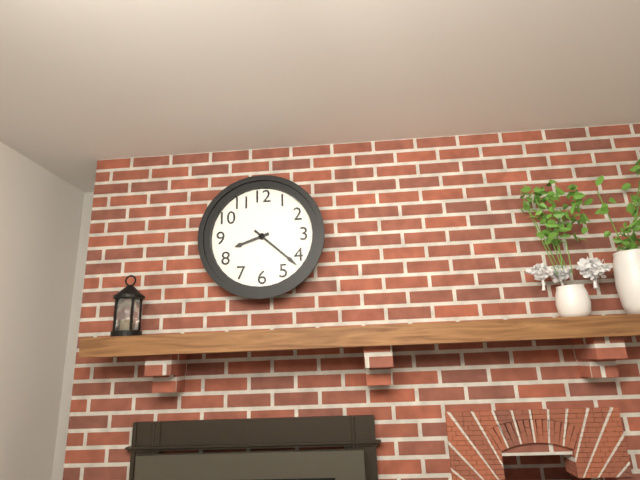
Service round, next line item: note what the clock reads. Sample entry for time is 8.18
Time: 8.22
